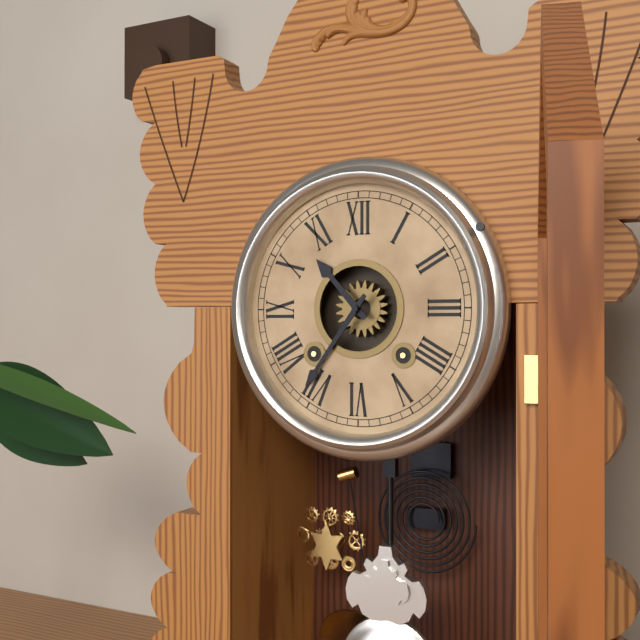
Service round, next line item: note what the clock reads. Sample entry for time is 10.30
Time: 10.36
